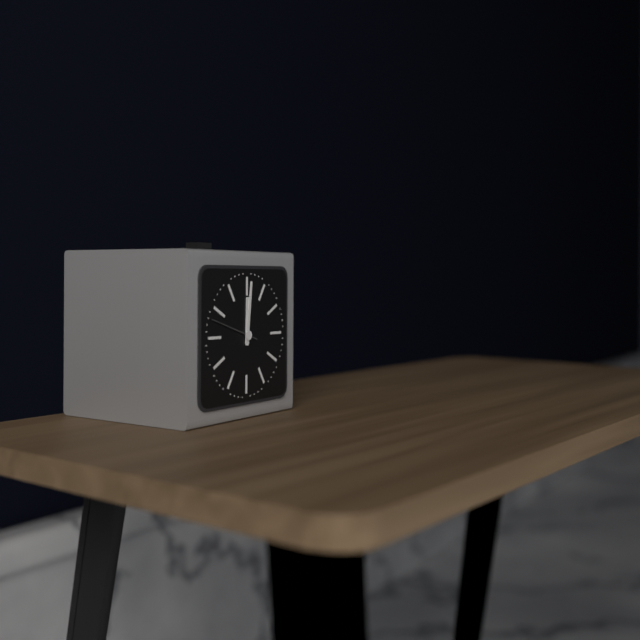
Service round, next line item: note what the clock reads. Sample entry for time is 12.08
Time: 12.01
